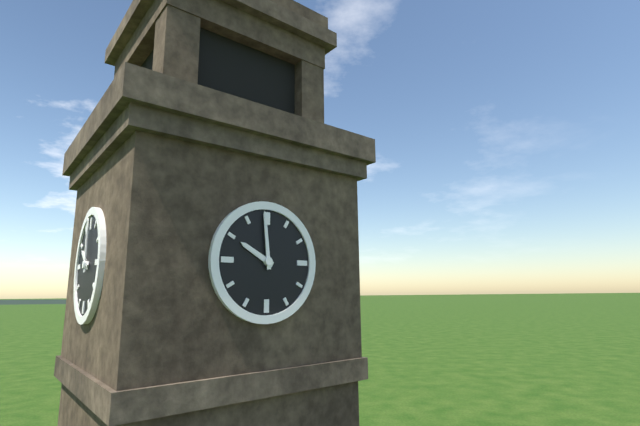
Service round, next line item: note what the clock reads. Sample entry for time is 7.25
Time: 9.59
